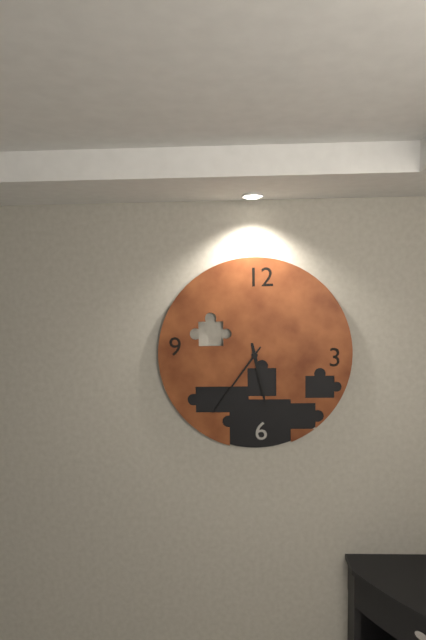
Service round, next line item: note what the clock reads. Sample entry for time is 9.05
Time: 5.36
